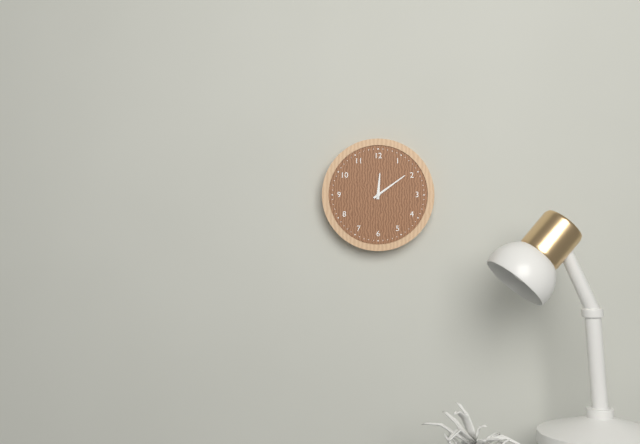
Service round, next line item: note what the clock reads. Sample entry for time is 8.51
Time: 12.09
